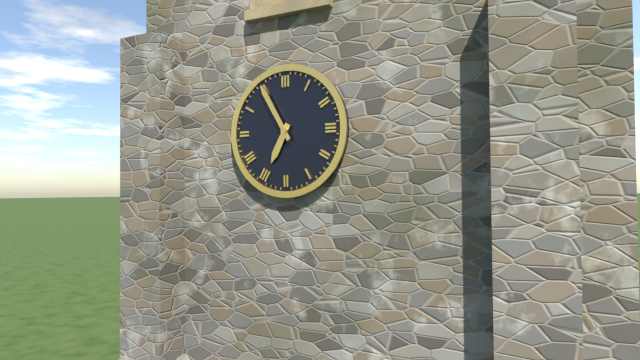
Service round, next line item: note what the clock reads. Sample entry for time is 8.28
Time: 6.55
